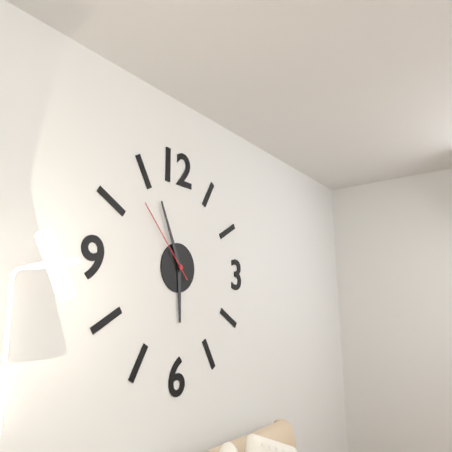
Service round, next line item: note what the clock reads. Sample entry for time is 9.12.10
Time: 5.56.53
